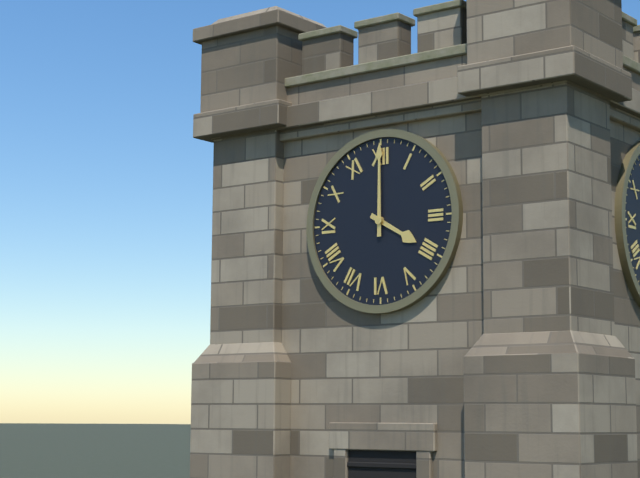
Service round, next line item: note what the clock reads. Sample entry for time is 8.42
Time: 4.00
